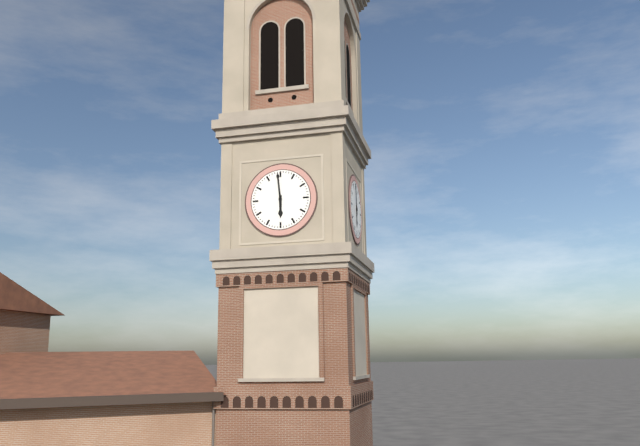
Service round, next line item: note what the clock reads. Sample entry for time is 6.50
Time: 5.59
